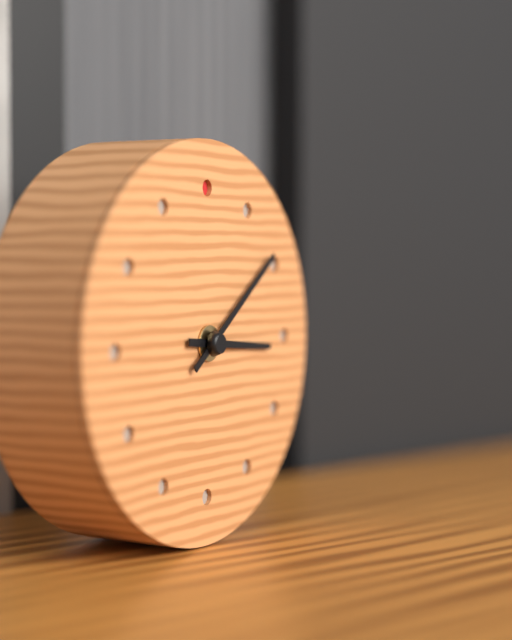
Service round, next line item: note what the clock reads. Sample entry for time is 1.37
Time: 3.09
